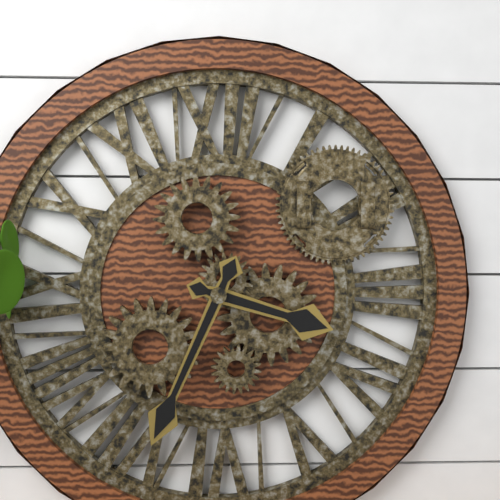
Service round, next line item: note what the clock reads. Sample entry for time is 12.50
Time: 3.34
